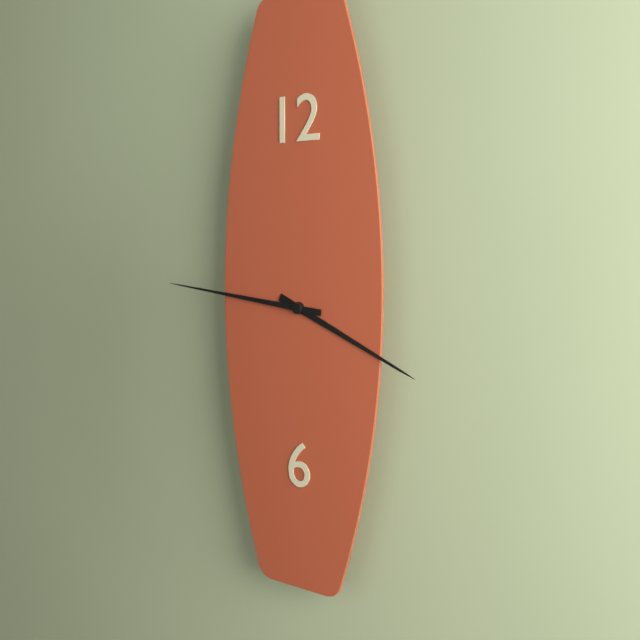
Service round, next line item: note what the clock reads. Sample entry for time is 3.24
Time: 3.46
